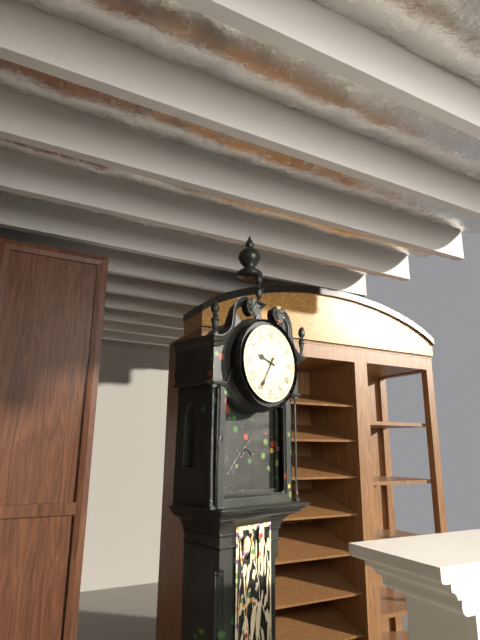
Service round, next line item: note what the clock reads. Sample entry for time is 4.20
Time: 9.35
